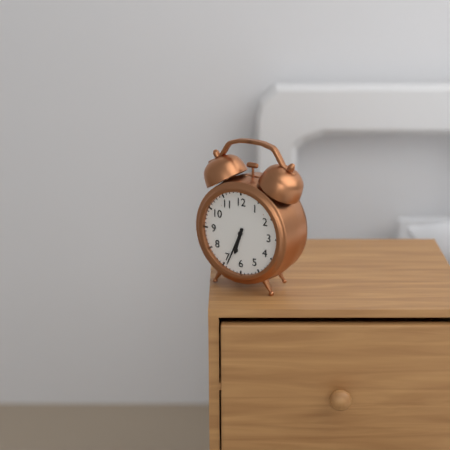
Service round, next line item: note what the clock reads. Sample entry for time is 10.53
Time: 6.34
